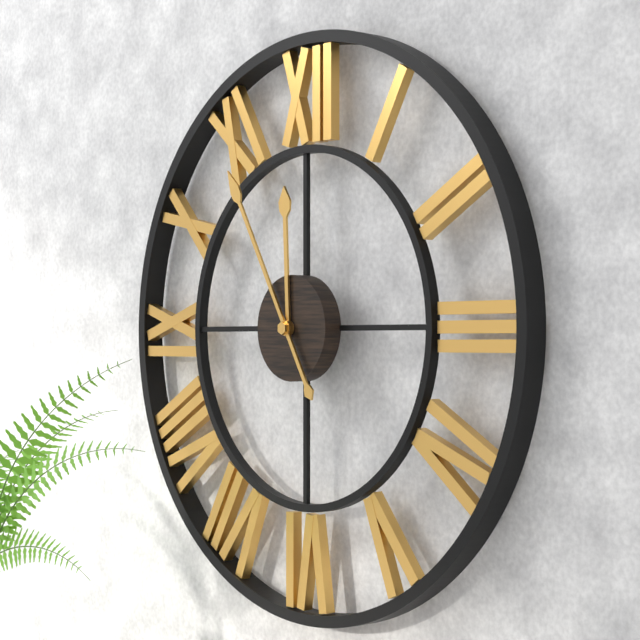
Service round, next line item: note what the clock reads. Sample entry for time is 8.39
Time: 11.55
